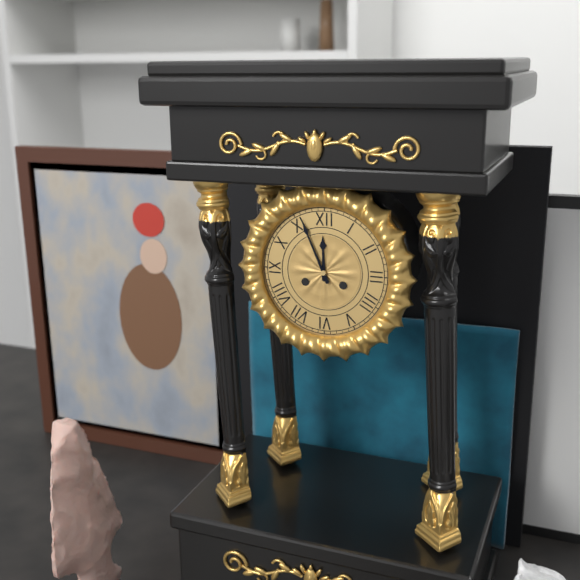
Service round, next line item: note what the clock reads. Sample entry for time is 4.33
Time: 11.56
